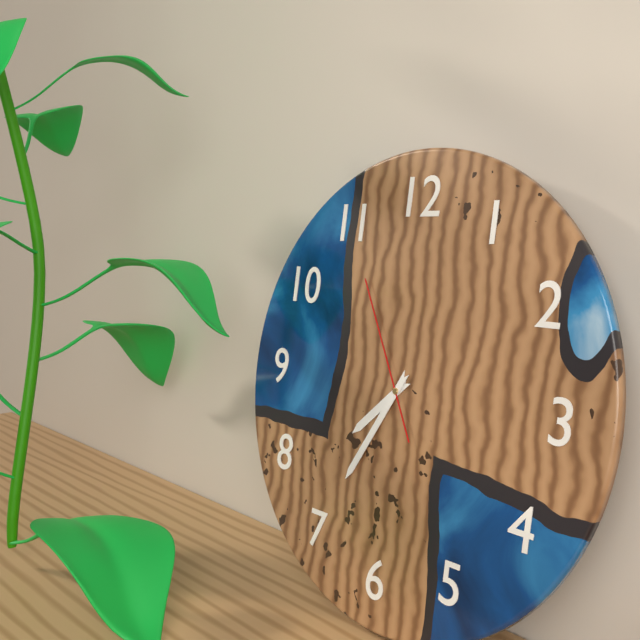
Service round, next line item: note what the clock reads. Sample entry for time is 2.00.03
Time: 7.35.55
